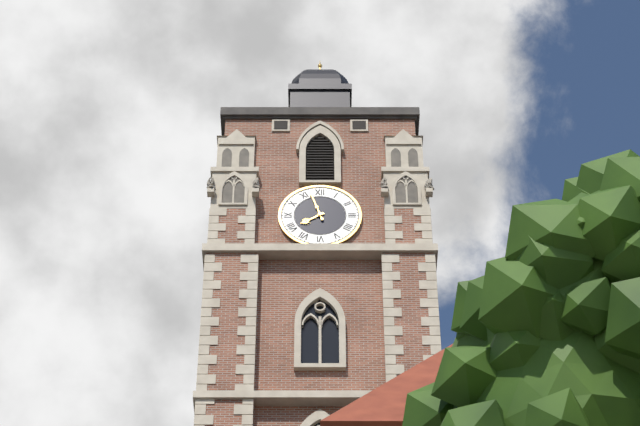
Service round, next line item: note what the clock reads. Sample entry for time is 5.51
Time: 7.57
